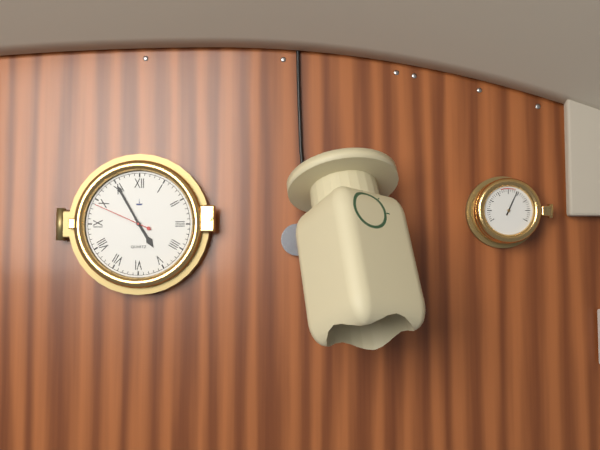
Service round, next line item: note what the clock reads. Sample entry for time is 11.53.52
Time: 4.55.49
